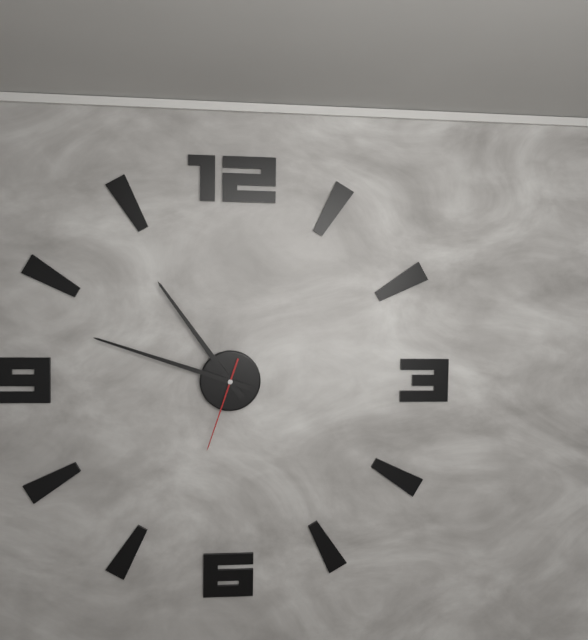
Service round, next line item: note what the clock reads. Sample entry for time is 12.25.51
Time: 10.48.33
